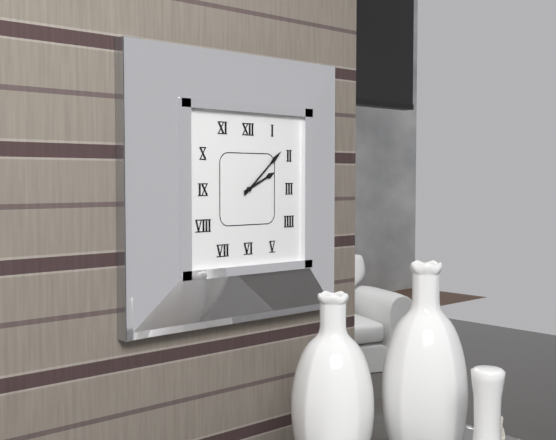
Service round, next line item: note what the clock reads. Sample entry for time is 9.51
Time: 2.08
